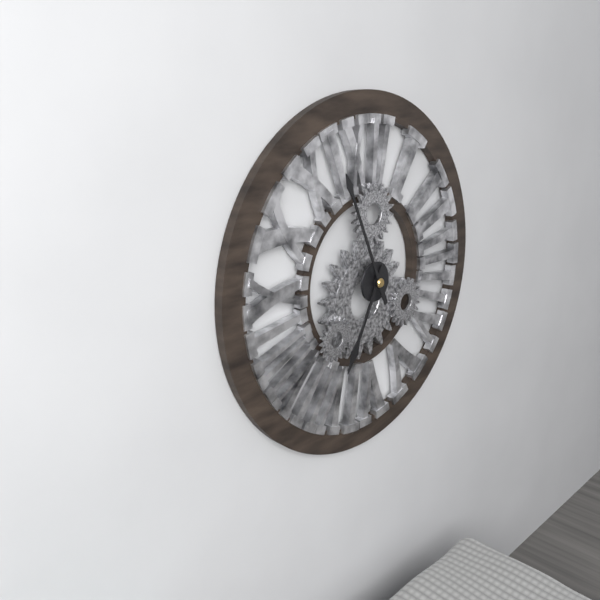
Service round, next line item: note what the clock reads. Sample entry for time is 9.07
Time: 6.56
